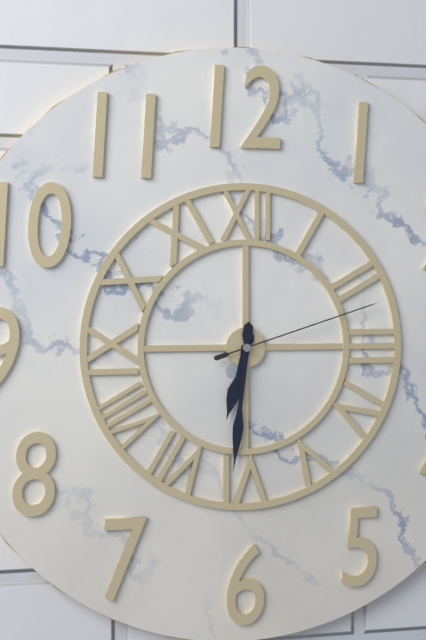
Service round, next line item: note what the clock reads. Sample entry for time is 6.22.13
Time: 6.31.12
